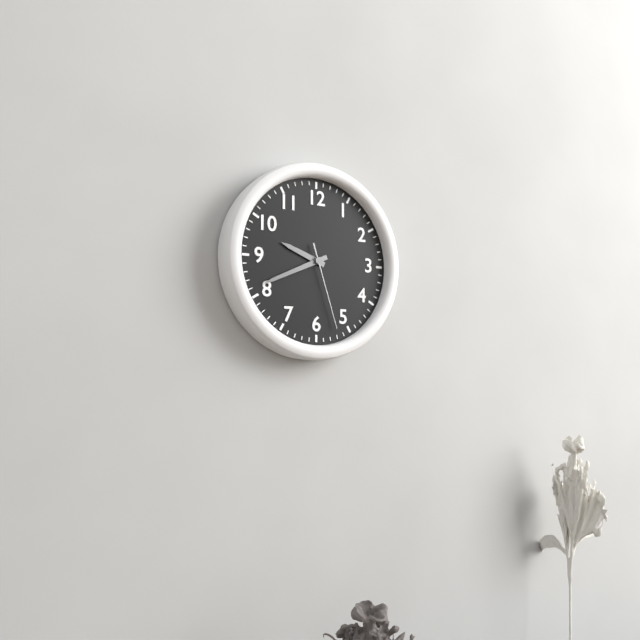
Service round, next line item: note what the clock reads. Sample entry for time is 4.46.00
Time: 9.41.27
